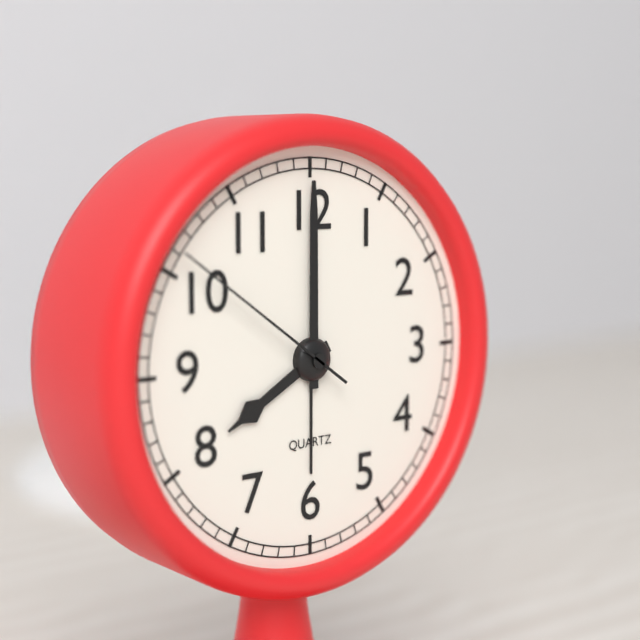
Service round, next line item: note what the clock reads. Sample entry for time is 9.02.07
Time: 8.00.51
